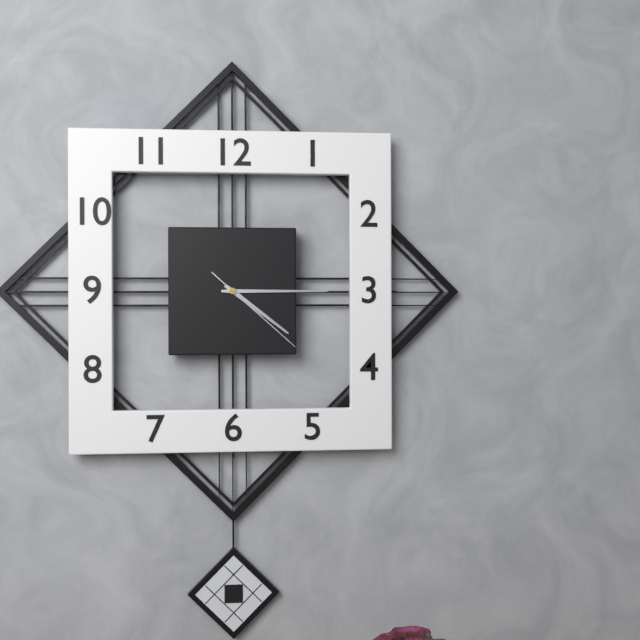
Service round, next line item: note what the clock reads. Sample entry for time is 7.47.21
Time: 4.15.22
